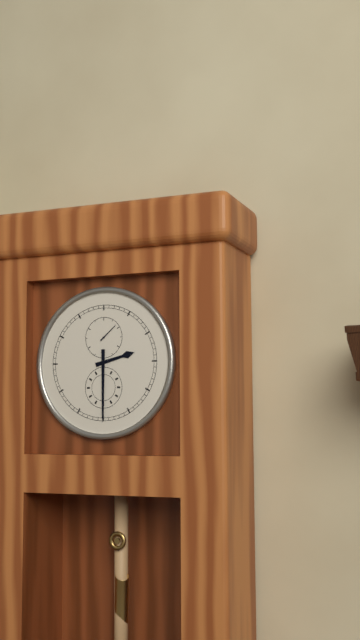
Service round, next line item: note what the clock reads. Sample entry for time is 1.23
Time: 2.30
